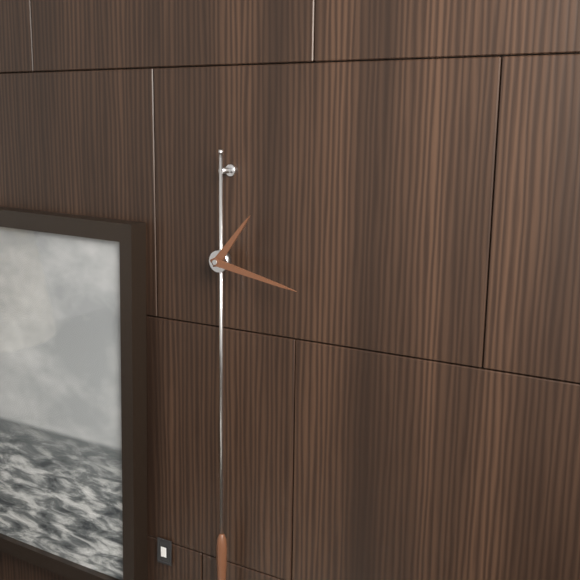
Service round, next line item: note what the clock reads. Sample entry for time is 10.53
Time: 1.17
